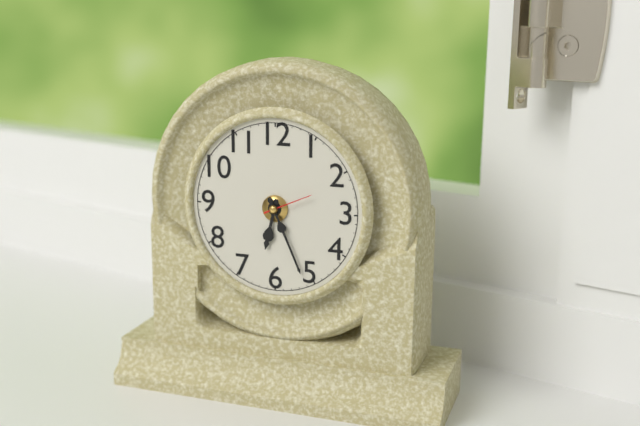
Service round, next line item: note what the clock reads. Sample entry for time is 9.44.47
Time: 6.26.11
